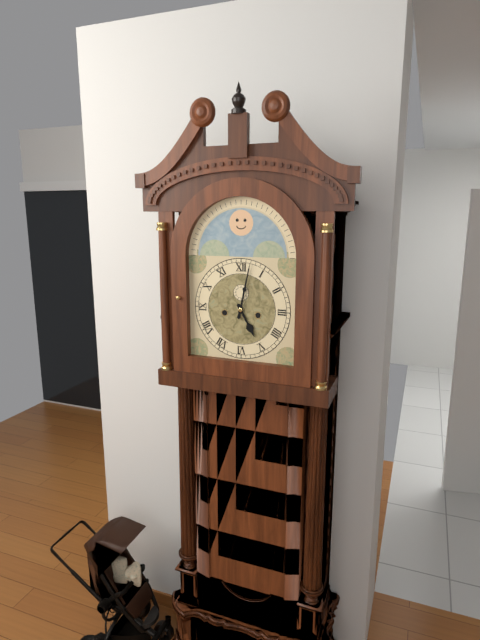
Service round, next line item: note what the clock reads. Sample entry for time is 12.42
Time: 5.02
